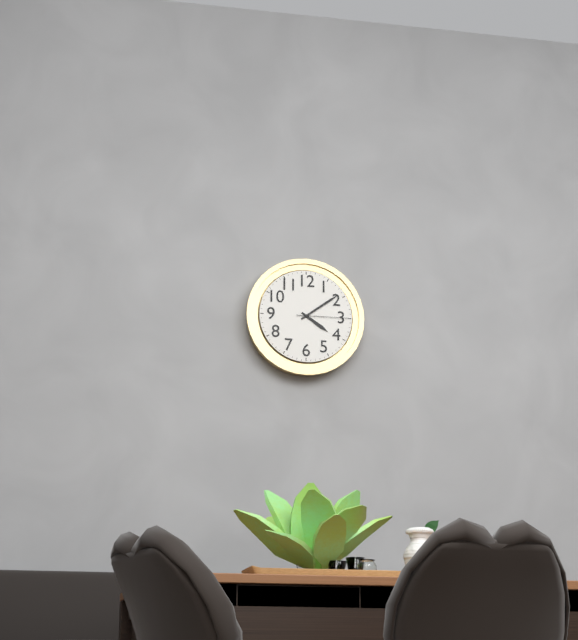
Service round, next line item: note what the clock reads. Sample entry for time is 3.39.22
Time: 4.09.15
